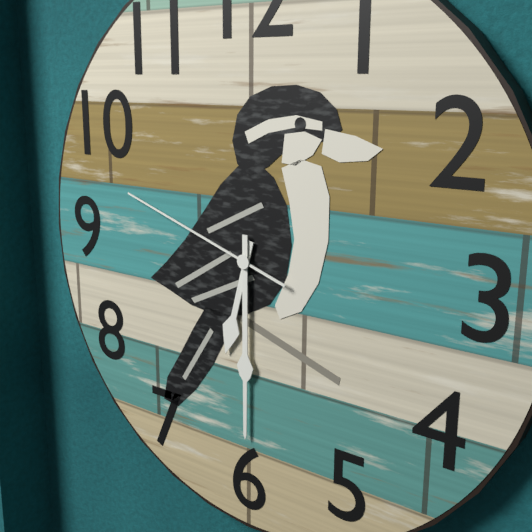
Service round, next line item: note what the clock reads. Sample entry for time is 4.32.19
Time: 6.30.48
